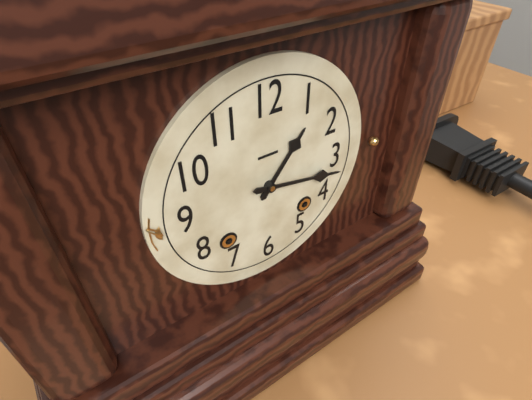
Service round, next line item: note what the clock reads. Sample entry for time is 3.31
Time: 1.17
